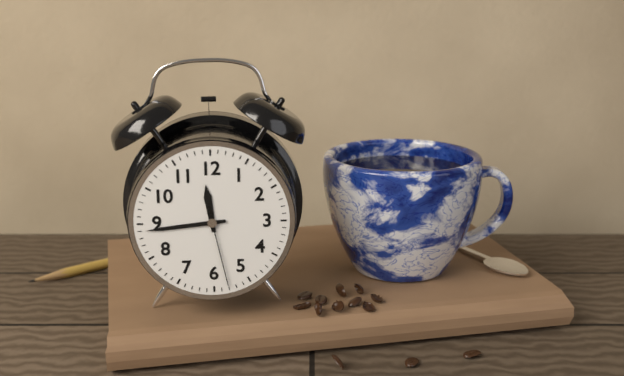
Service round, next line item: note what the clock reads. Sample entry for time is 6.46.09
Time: 11.44.28
